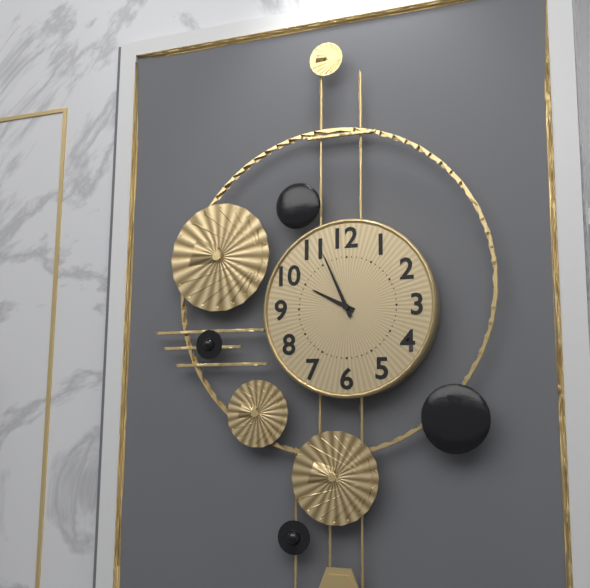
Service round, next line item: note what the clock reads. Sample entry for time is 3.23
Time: 9.56
